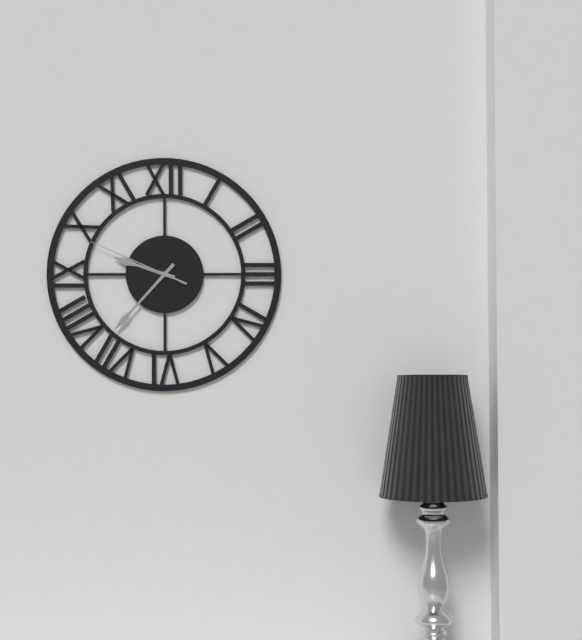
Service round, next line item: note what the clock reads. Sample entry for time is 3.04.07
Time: 9.37.49
